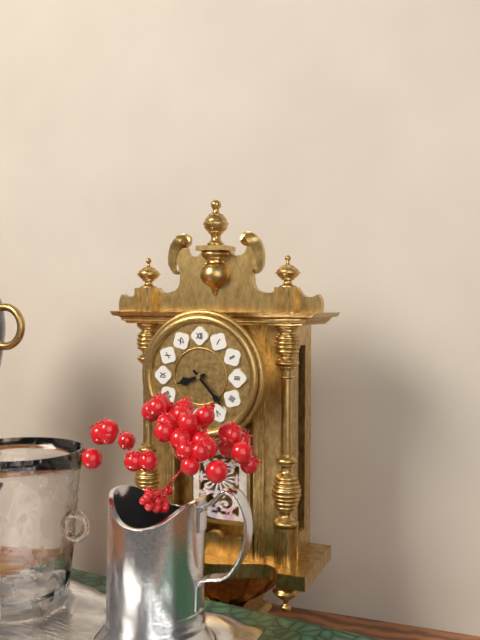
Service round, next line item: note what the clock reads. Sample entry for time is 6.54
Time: 8.23
